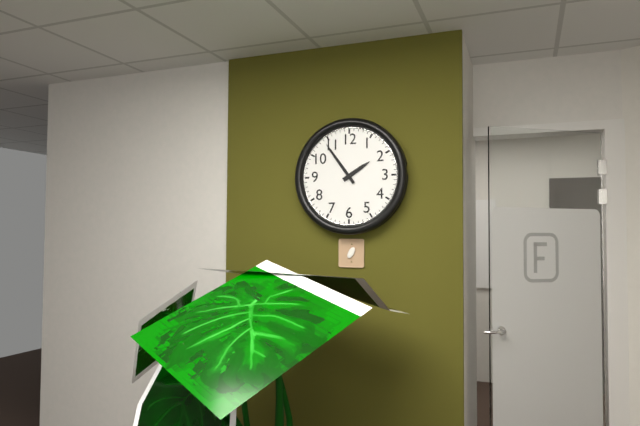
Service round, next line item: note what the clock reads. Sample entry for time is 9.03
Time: 1.54
